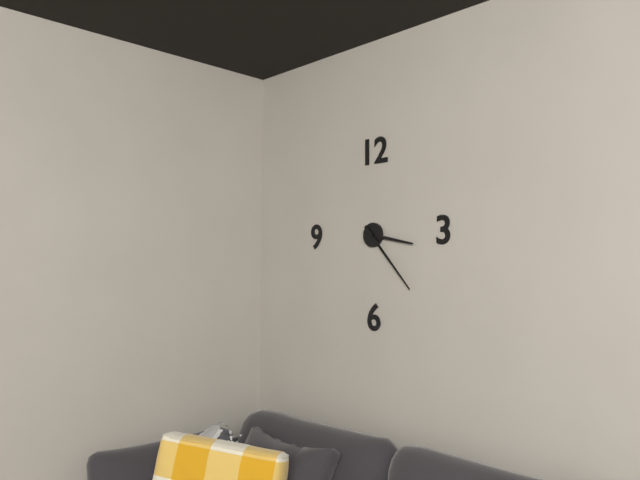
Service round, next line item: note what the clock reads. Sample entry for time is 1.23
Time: 3.23
